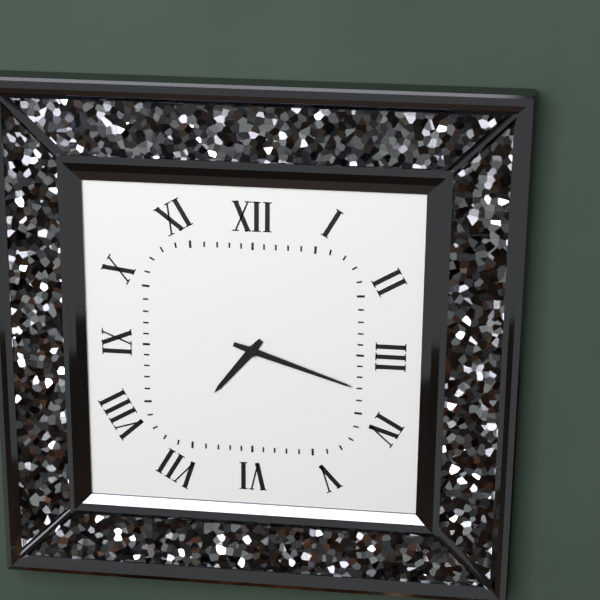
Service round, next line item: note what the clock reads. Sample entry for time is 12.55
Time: 7.18
